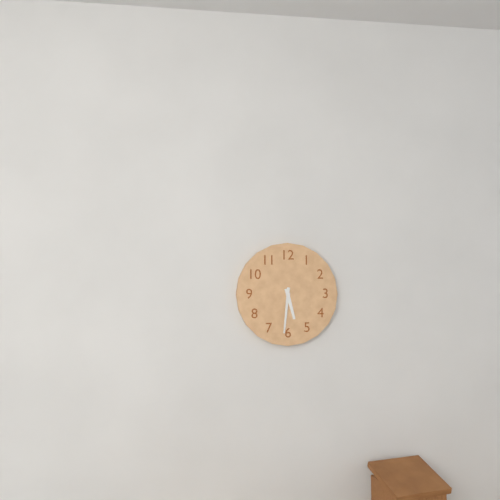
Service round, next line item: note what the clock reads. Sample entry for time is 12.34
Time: 5.31
